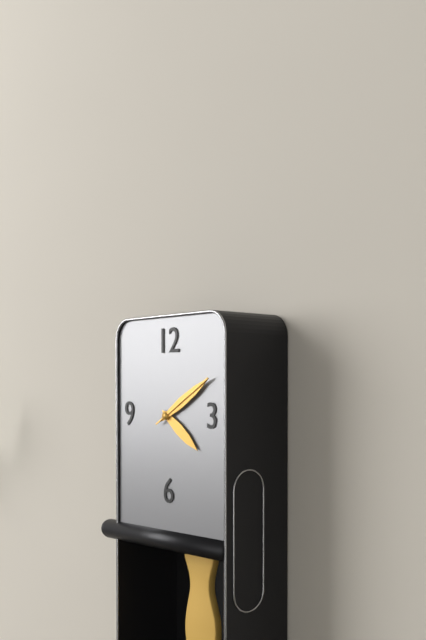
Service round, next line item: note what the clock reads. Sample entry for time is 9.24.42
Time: 4.10.10
